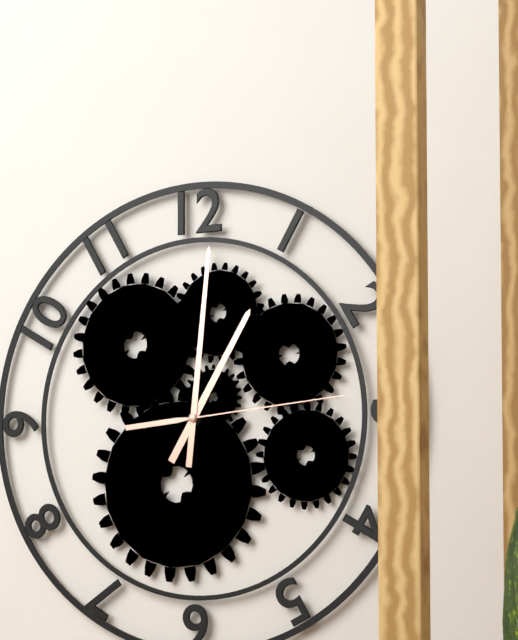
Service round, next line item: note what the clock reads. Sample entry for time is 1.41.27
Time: 1.01.14
